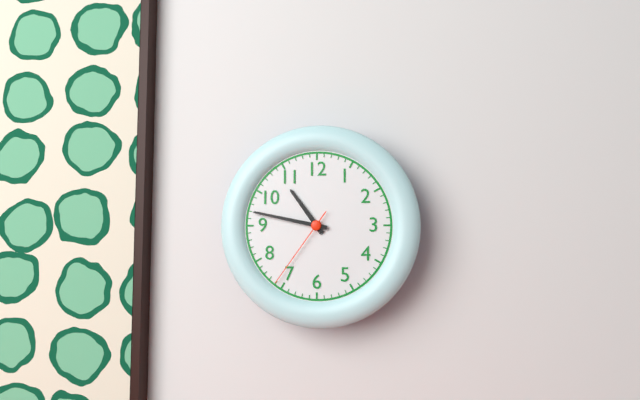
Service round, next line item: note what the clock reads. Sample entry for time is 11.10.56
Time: 10.47.36
